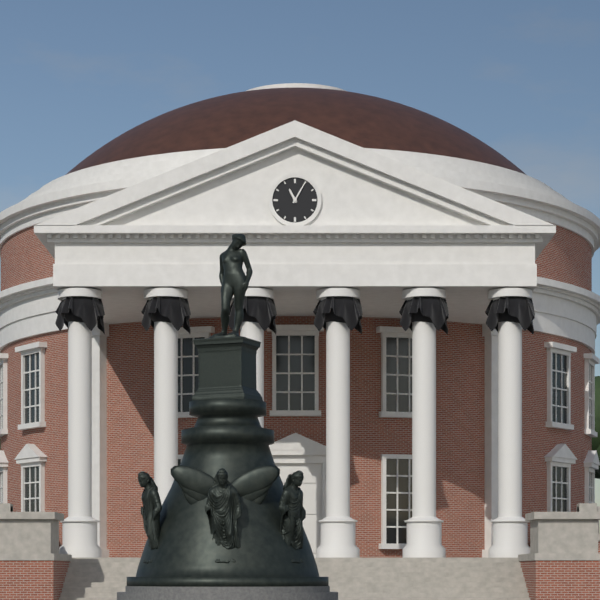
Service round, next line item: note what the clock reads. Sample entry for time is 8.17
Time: 11.05
